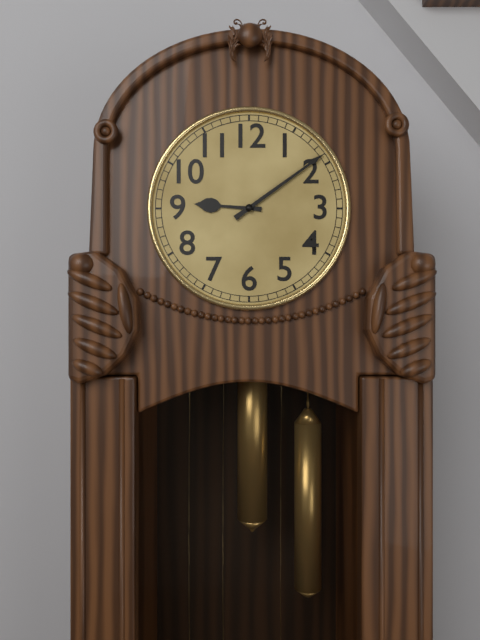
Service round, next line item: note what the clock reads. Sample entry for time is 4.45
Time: 9.09
